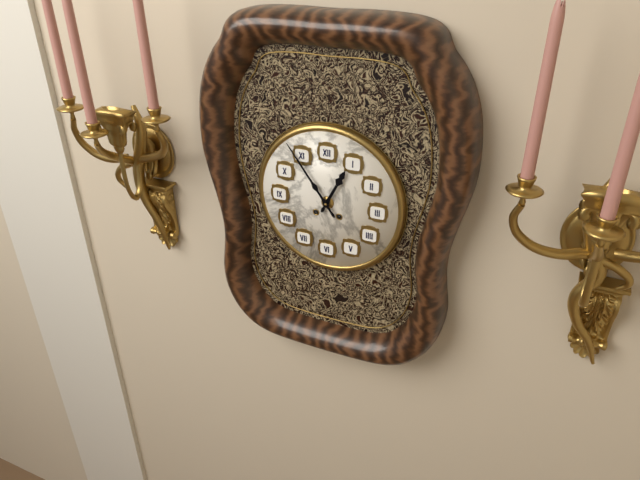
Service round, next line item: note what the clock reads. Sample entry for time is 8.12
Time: 12.54
